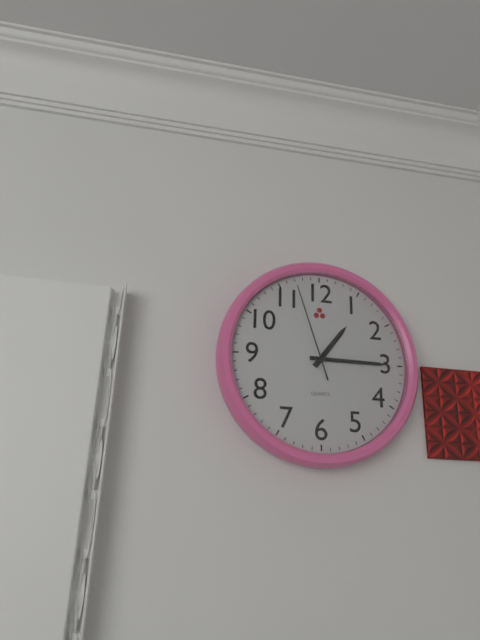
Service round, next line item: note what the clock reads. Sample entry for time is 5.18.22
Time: 1.15.57
